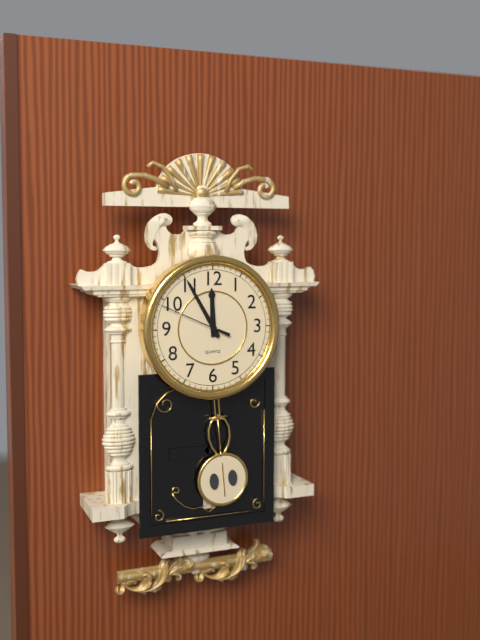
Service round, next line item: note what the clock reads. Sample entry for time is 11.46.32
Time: 11.55.49
